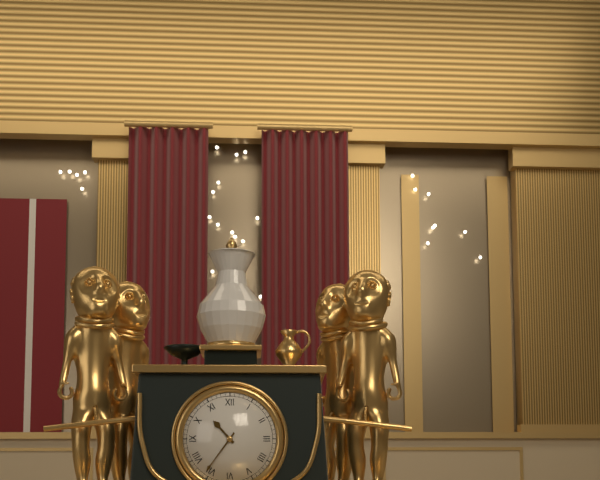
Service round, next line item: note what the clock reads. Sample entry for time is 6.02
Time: 10.36
